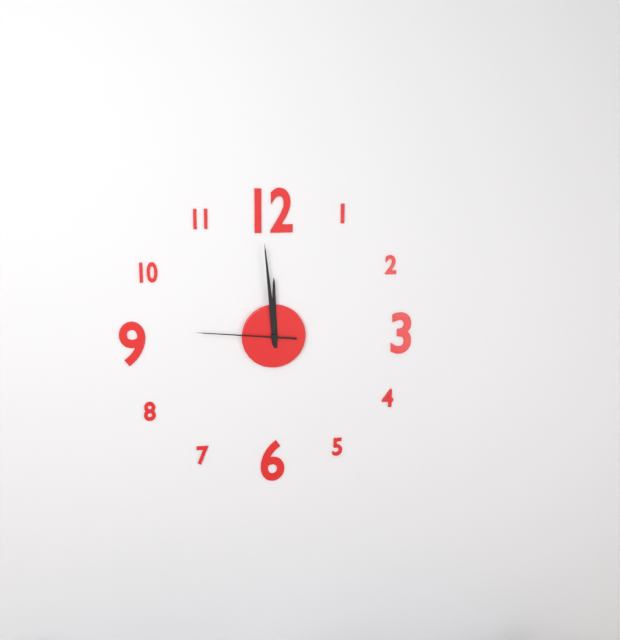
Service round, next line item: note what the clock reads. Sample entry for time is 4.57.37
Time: 11.59.46
